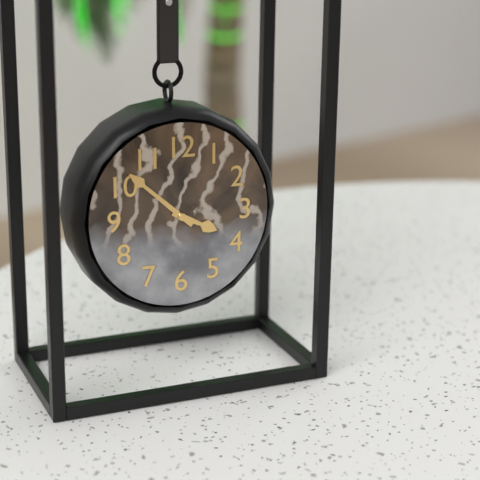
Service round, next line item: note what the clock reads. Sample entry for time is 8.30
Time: 3.52
